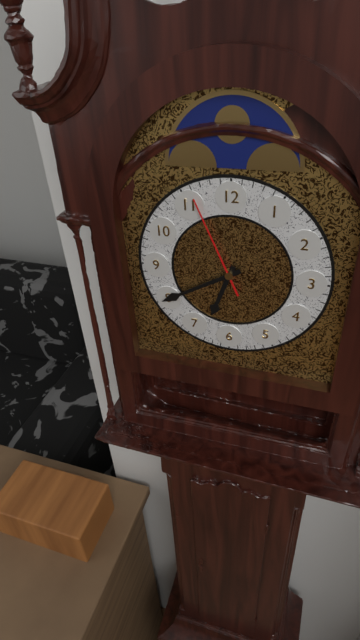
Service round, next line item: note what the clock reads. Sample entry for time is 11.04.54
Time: 6.40.56
